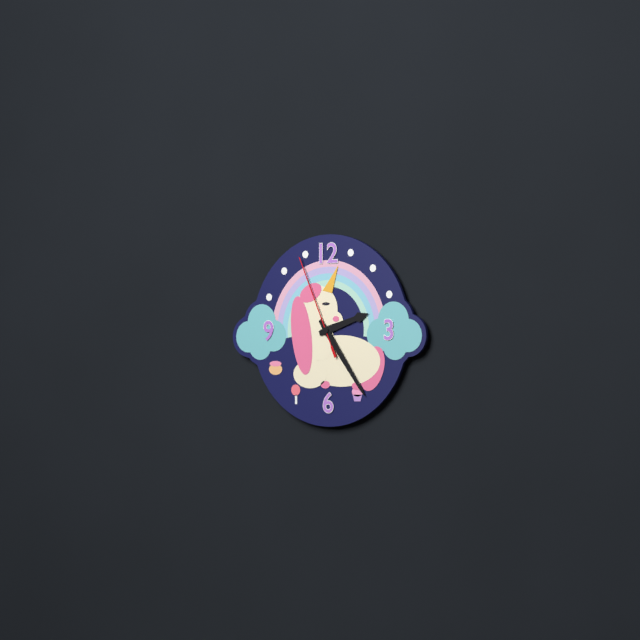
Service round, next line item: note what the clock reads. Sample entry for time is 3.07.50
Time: 2.24.56
